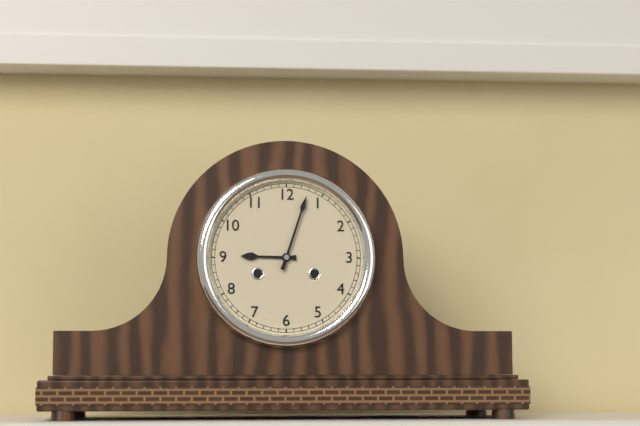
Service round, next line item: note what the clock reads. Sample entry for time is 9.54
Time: 9.03
